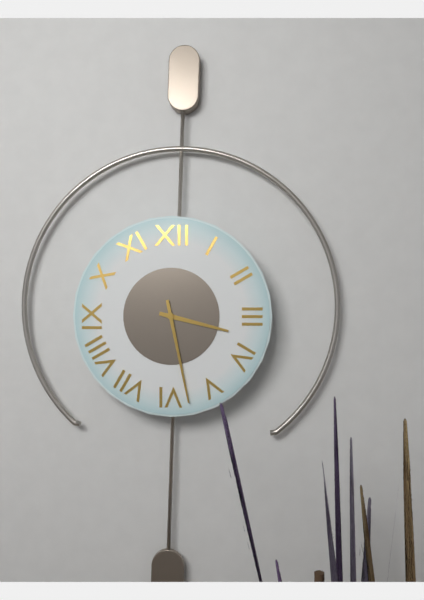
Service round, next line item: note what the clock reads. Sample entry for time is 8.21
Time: 3.28
